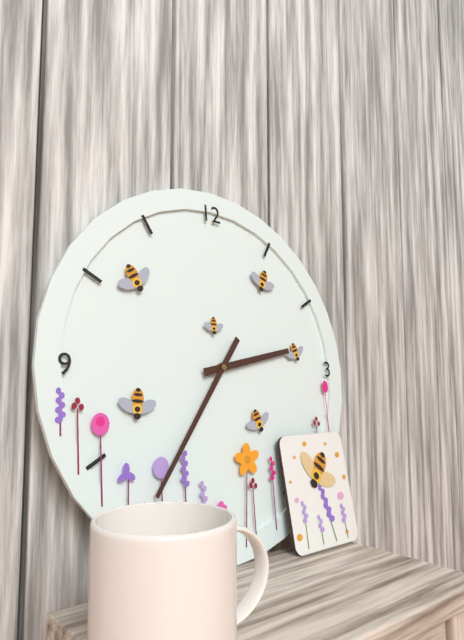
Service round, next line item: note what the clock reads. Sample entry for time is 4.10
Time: 2.36
